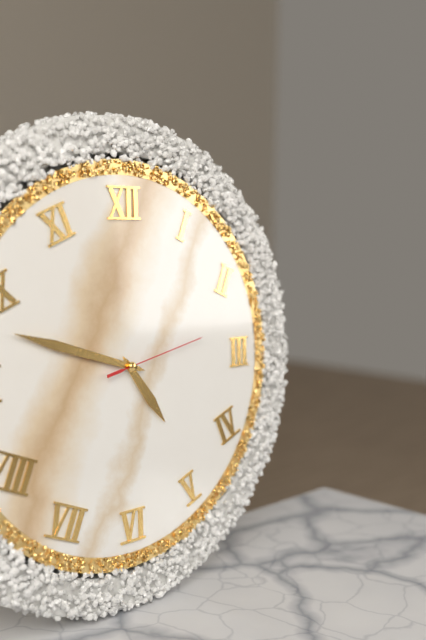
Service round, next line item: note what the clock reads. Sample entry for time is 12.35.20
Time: 4.48.13
